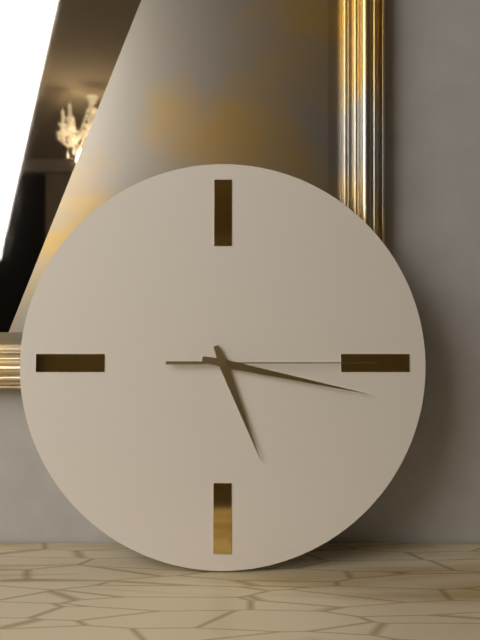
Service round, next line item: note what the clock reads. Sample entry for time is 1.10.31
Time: 5.17.15
